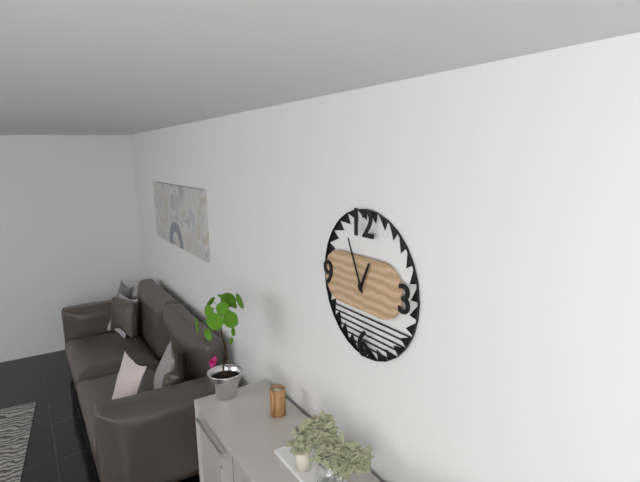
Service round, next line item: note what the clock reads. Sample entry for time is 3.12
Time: 12.56
